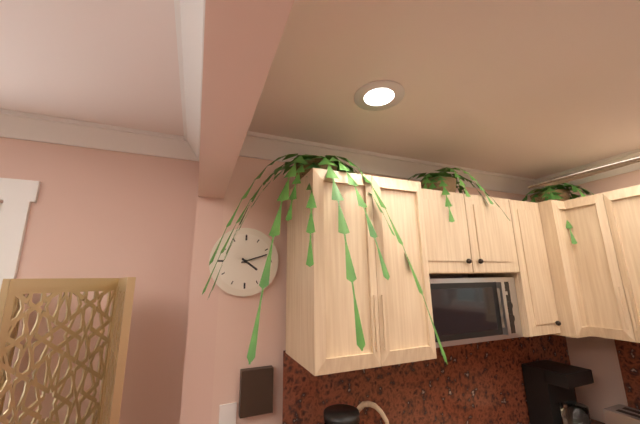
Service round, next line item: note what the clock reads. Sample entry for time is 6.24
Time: 4.12
